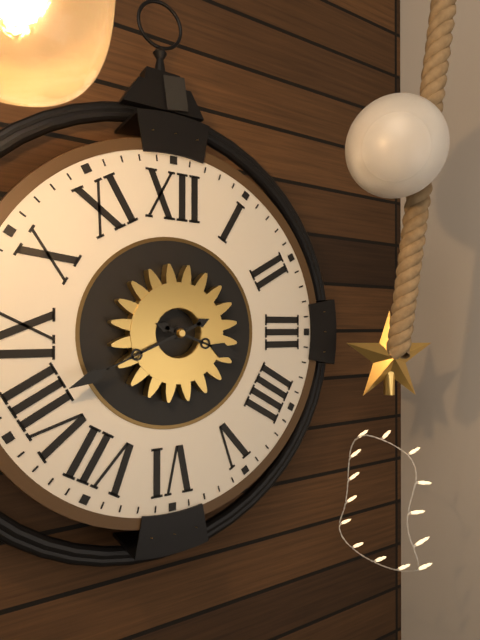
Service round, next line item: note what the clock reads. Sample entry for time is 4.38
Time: 3.41
